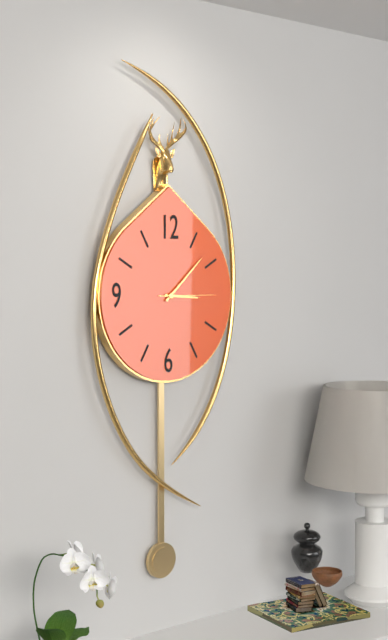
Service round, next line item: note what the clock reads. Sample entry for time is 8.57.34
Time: 3.08.15
